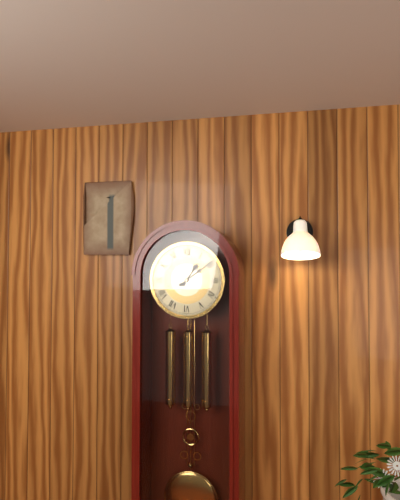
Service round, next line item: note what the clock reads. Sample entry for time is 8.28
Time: 1.09
